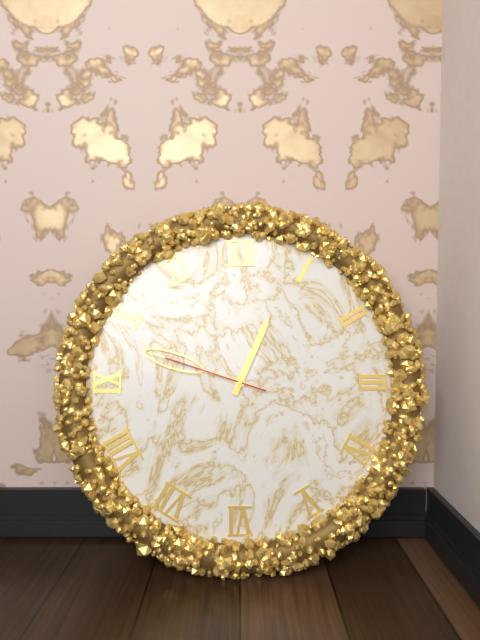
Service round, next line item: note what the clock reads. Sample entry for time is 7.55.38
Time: 12.48.48
